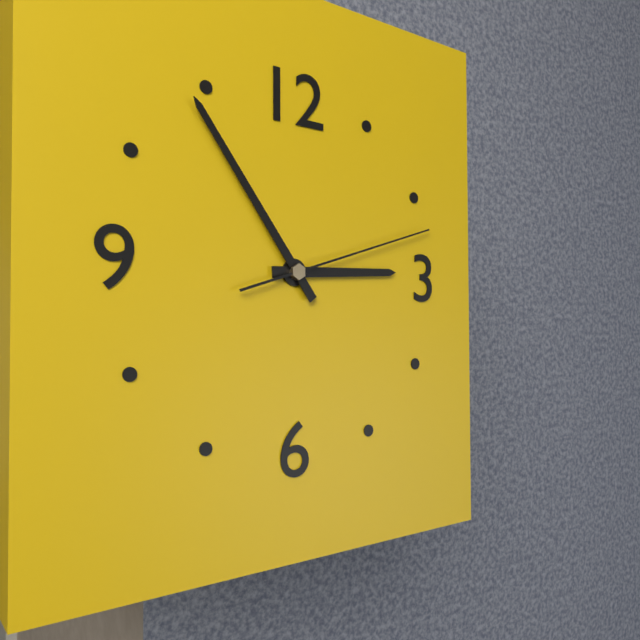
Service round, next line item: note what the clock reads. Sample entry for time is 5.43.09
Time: 2.54.12
